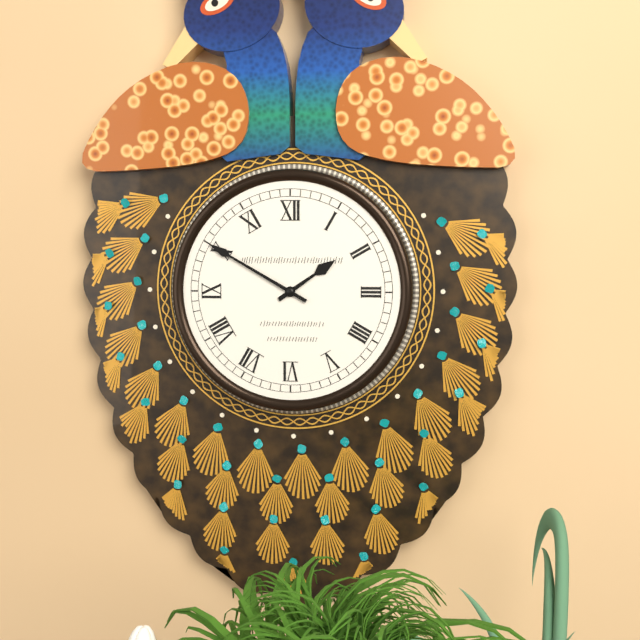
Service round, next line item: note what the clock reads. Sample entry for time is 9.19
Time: 1.50
